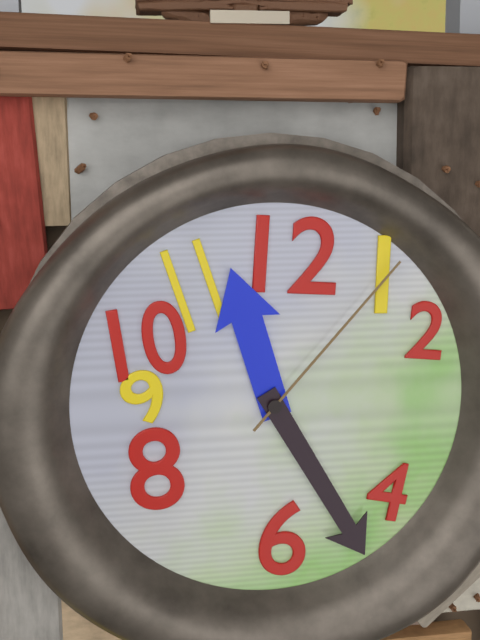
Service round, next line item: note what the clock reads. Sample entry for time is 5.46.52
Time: 11.25.07
